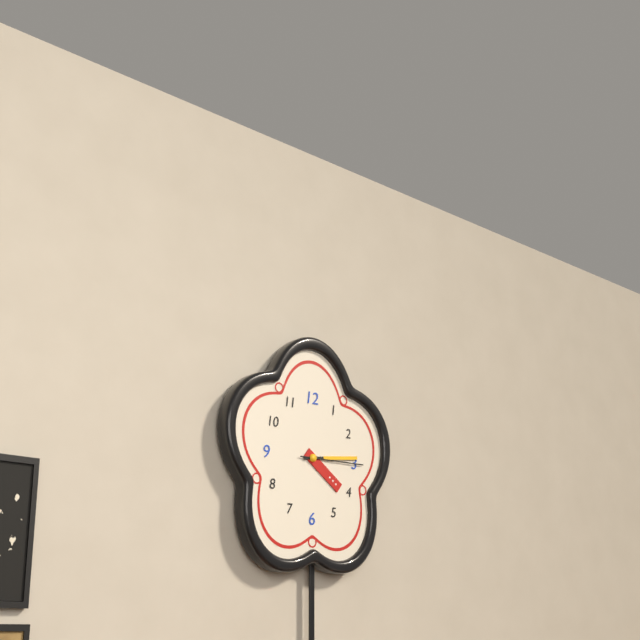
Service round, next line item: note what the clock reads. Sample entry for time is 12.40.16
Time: 4.14.15
